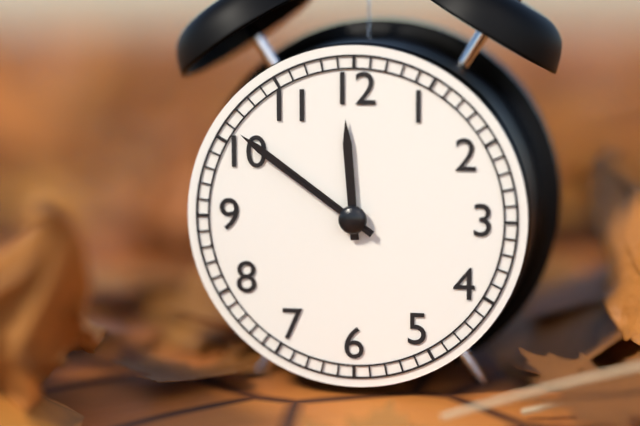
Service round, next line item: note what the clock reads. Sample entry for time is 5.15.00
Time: 11.51.51
